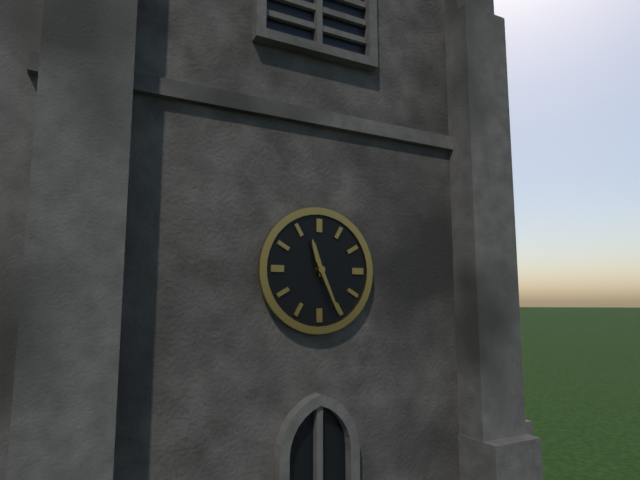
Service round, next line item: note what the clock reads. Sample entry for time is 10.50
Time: 11.26
